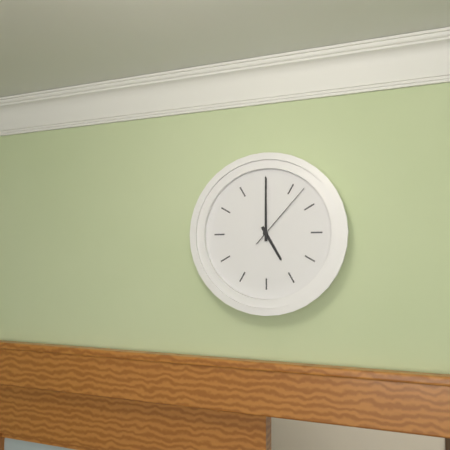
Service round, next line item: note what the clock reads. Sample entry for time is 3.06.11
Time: 5.00.07
